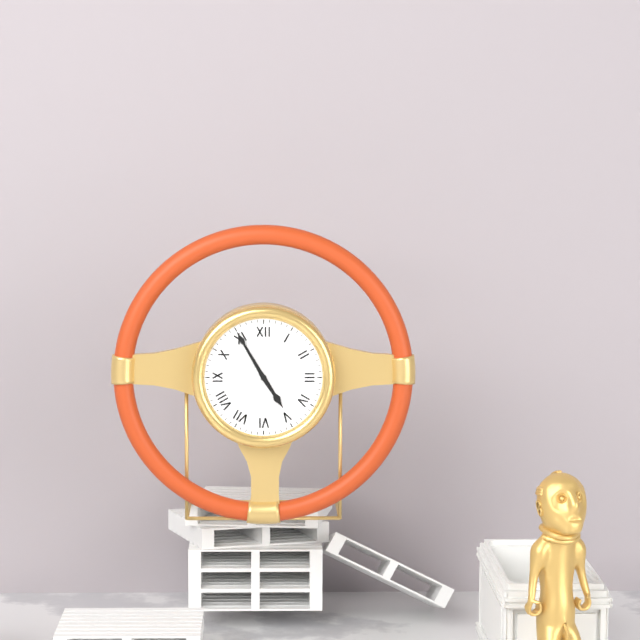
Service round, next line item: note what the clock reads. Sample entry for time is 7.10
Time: 4.55
